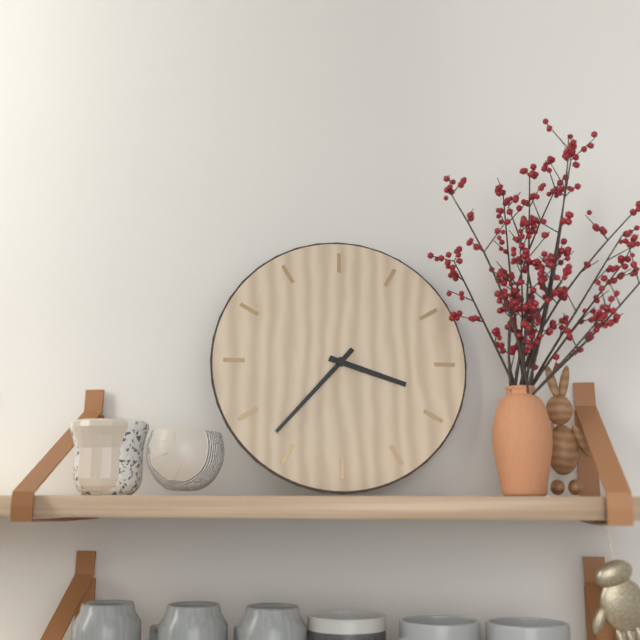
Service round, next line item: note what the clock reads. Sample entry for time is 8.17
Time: 3.37
